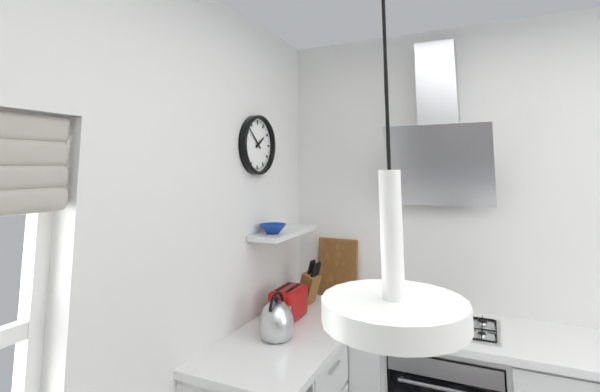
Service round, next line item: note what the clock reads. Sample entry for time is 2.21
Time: 1.52
